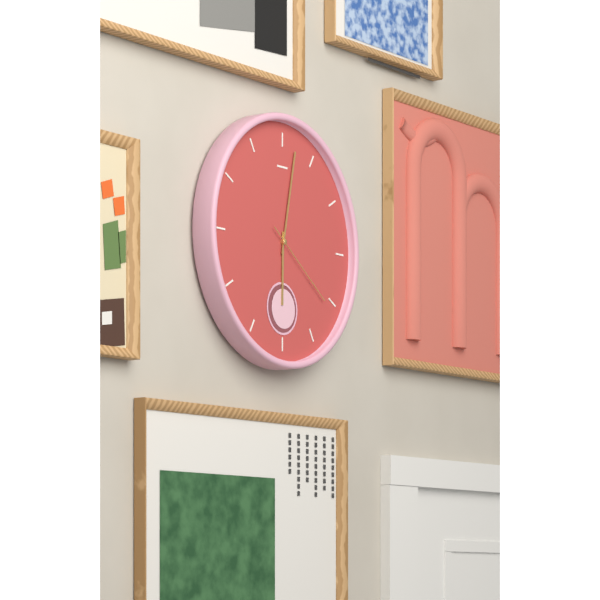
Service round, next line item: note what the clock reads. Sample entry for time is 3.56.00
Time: 6.02.21
